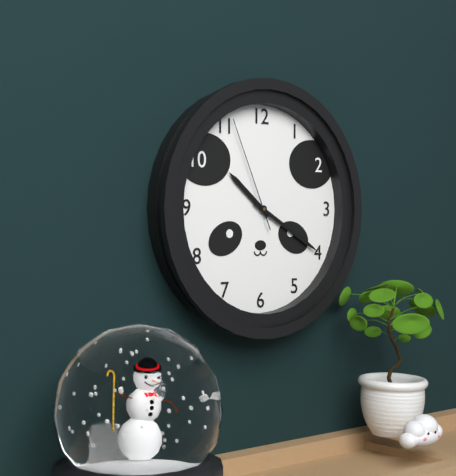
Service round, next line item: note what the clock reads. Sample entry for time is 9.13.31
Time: 10.20.56
